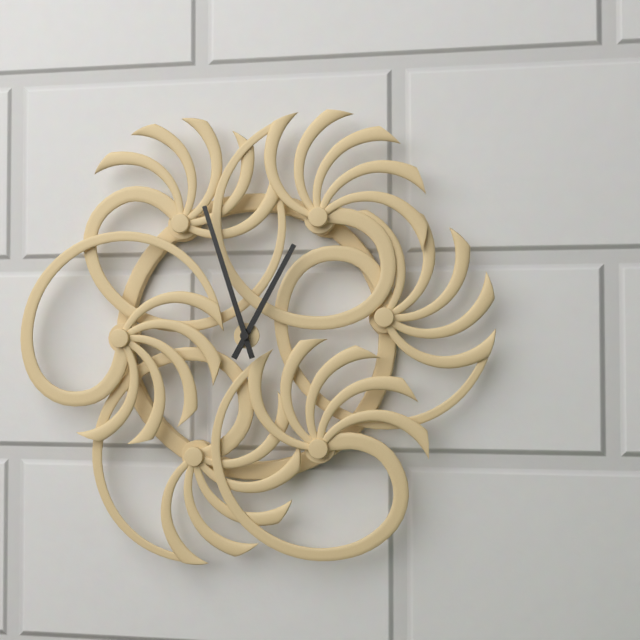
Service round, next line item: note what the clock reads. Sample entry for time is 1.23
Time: 12.57
